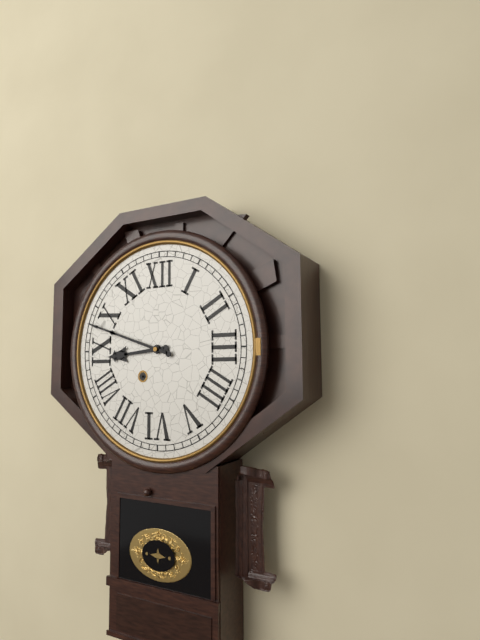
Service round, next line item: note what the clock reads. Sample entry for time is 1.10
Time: 8.48
